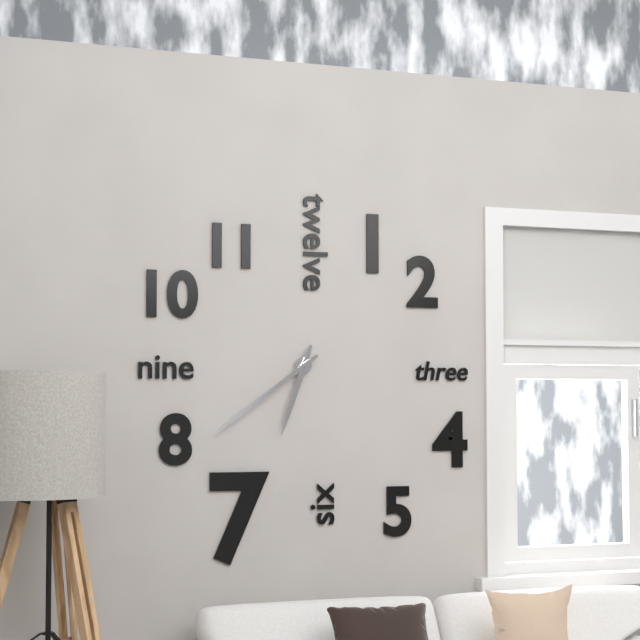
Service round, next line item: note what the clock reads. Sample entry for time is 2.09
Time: 6.39
